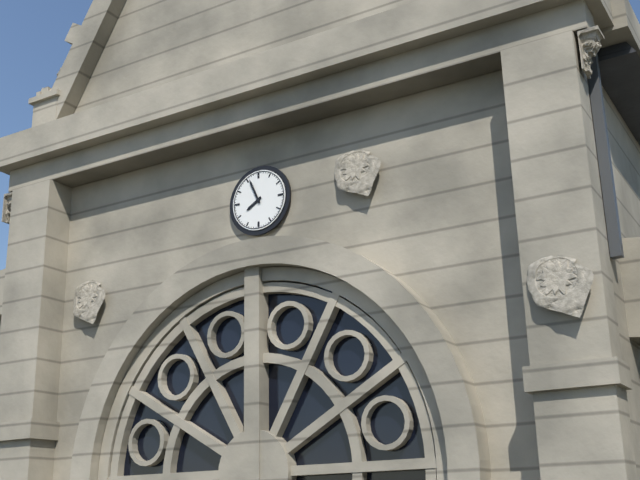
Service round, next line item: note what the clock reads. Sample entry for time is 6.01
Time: 7.56
